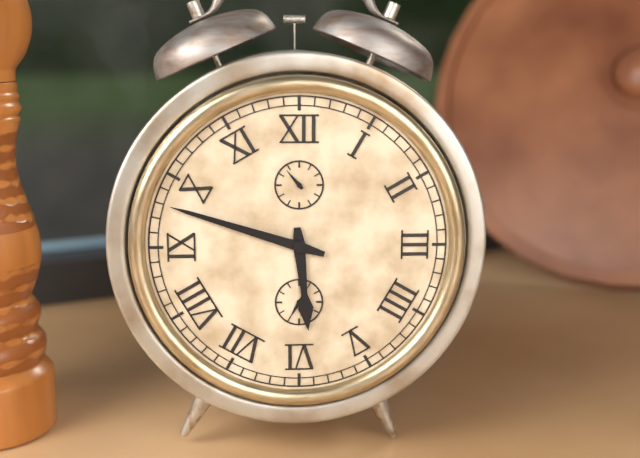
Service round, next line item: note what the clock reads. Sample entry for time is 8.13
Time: 5.48
